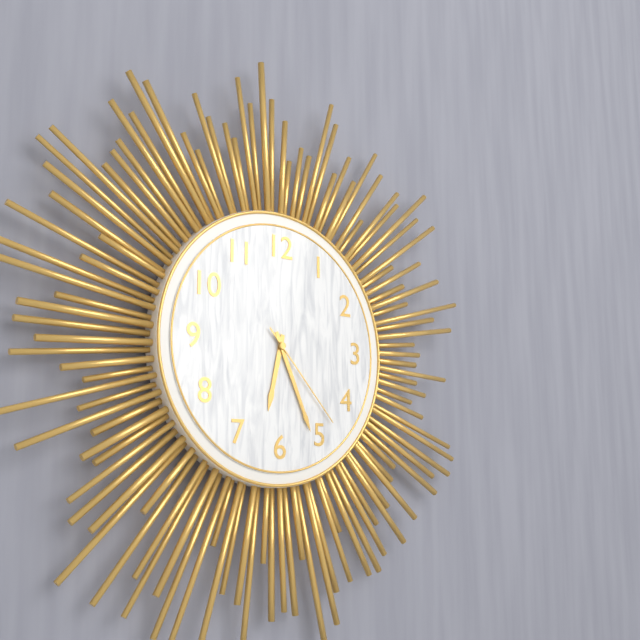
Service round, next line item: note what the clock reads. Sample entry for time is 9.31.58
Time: 6.26.23
